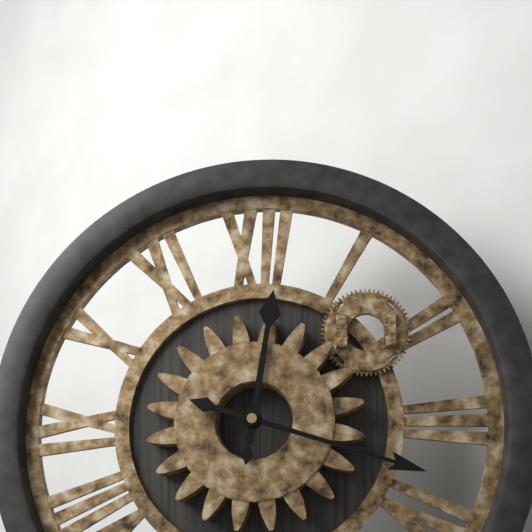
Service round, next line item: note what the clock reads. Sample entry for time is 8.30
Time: 12.18
